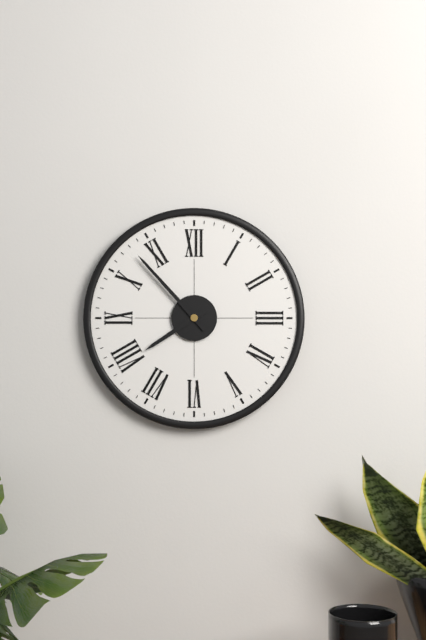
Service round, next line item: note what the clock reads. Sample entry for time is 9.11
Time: 7.53
